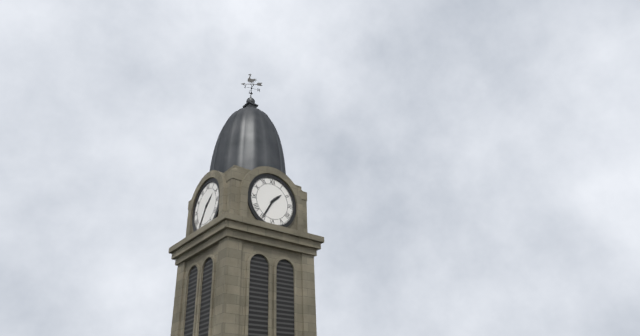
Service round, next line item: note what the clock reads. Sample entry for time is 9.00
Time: 1.35
